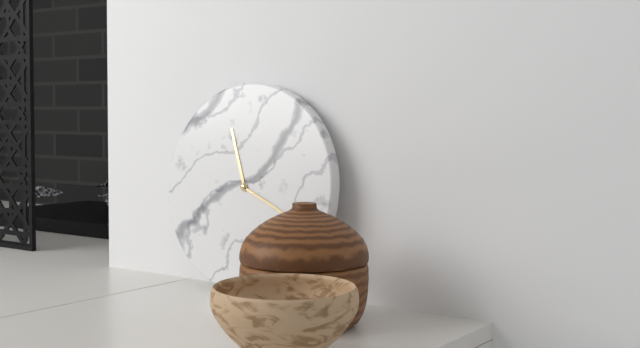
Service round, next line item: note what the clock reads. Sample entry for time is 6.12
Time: 11.19
